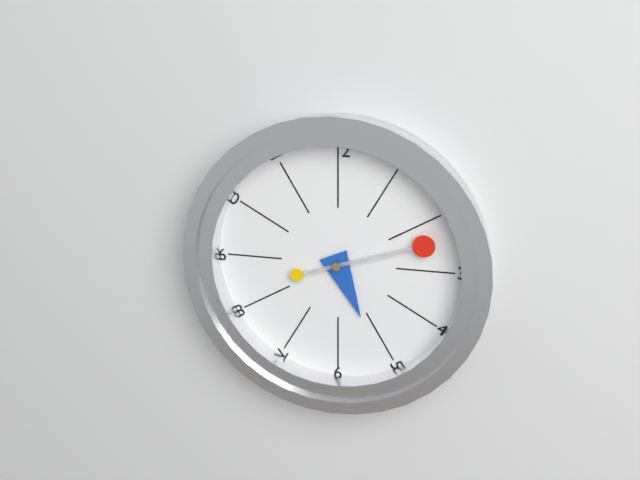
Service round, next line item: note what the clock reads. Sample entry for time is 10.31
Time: 5.12
